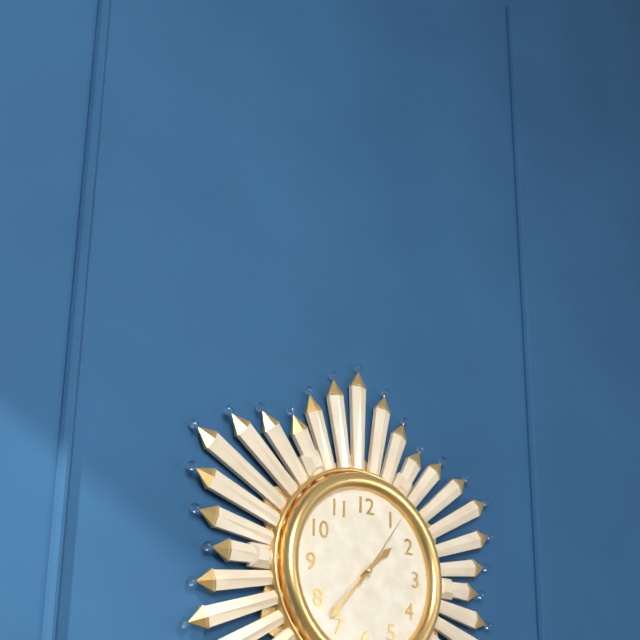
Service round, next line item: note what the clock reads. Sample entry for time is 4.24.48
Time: 1.37.06
